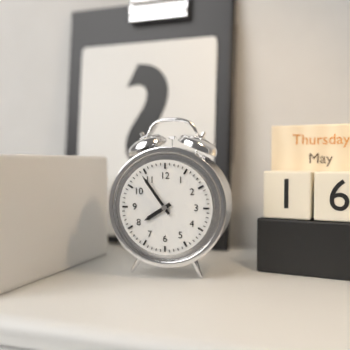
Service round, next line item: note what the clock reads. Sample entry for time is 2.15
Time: 7.54
